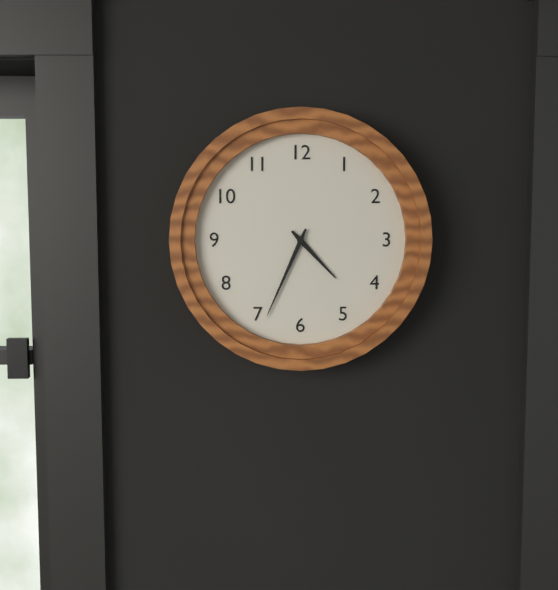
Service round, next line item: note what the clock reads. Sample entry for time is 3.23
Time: 4.34
